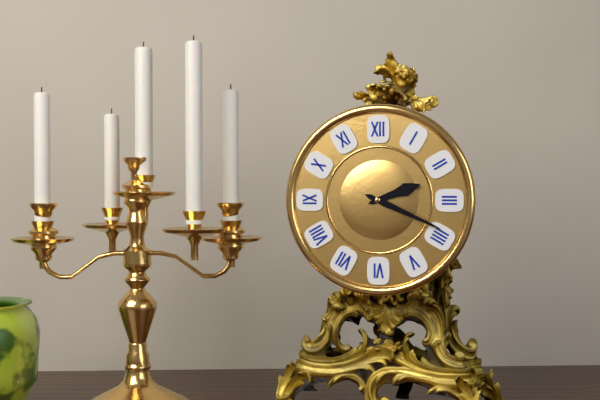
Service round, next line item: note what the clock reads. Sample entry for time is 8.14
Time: 2.19
